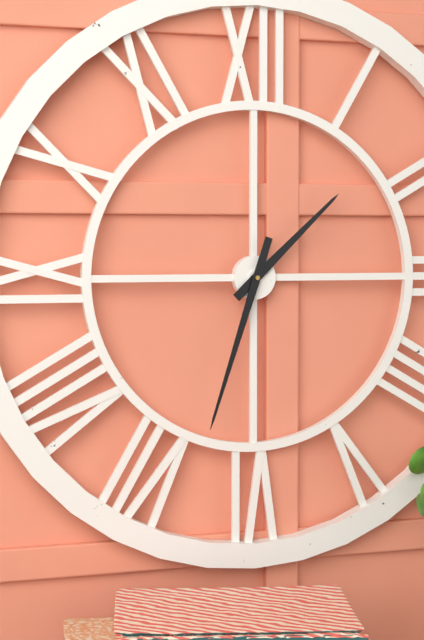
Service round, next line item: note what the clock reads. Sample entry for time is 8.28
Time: 1.33
